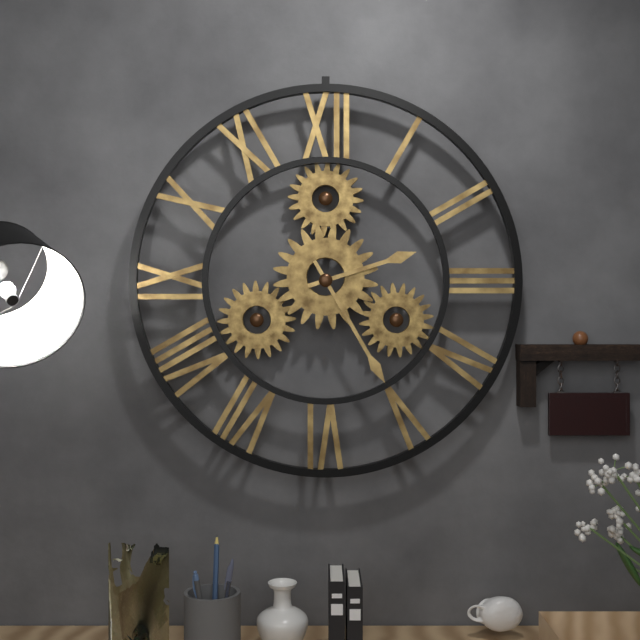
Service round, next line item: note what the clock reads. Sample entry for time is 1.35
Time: 2.25
